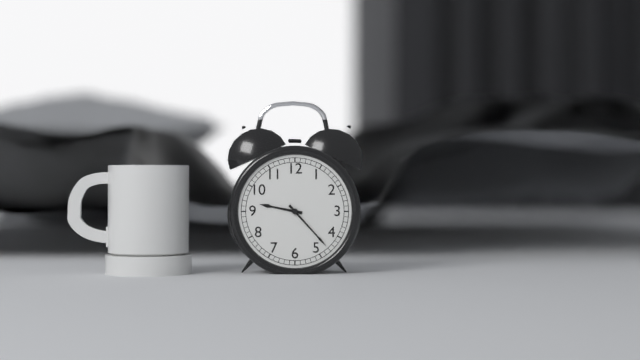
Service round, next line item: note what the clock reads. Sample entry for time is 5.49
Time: 9.23
